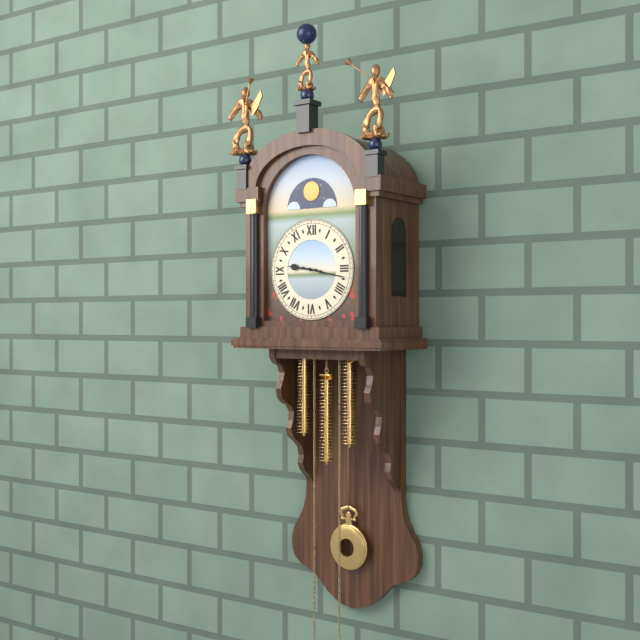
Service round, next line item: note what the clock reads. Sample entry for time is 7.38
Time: 9.17
